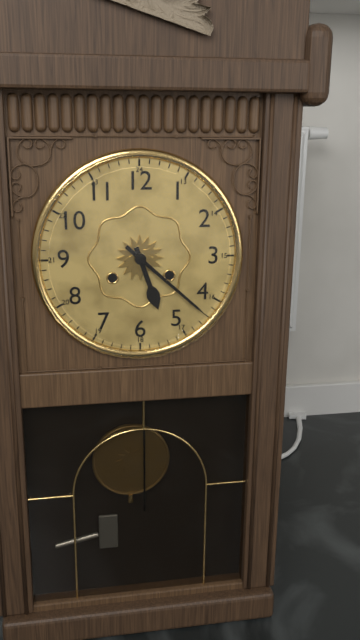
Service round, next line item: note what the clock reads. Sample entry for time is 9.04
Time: 5.22
